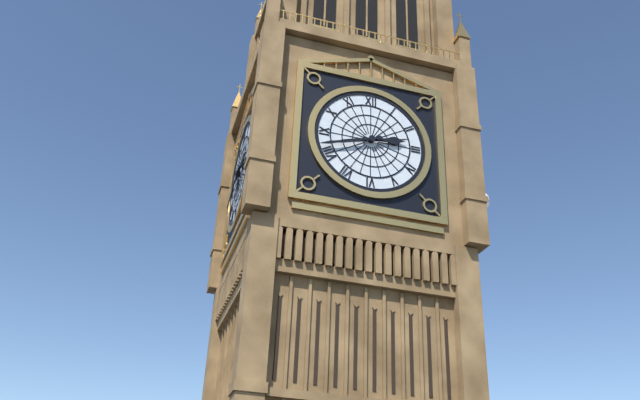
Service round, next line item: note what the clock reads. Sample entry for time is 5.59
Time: 2.42
